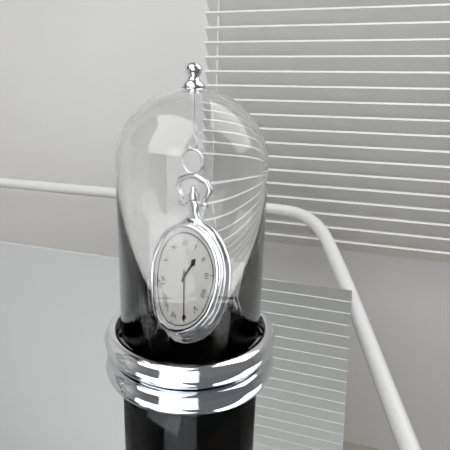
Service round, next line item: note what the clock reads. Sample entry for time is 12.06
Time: 1.30
